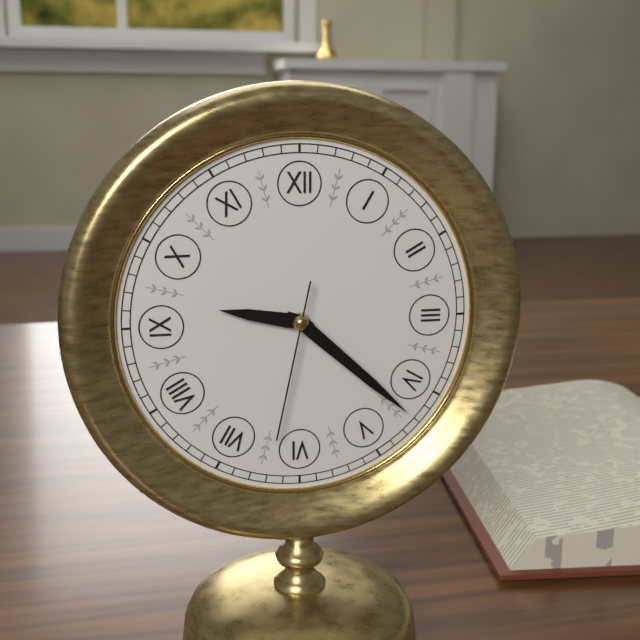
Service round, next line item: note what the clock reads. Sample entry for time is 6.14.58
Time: 9.22.32
